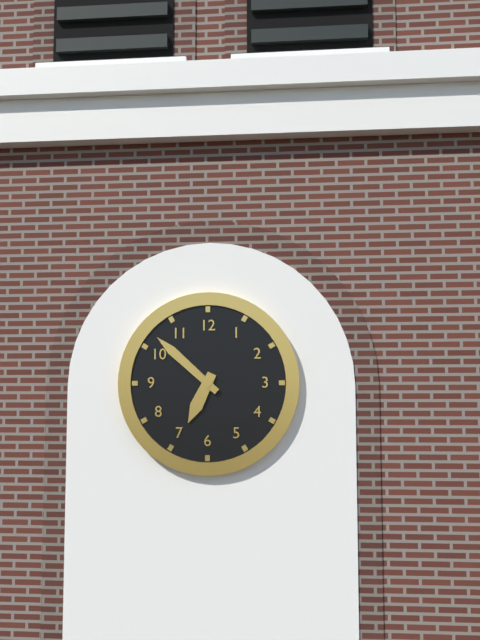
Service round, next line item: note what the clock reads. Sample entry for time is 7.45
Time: 6.52
